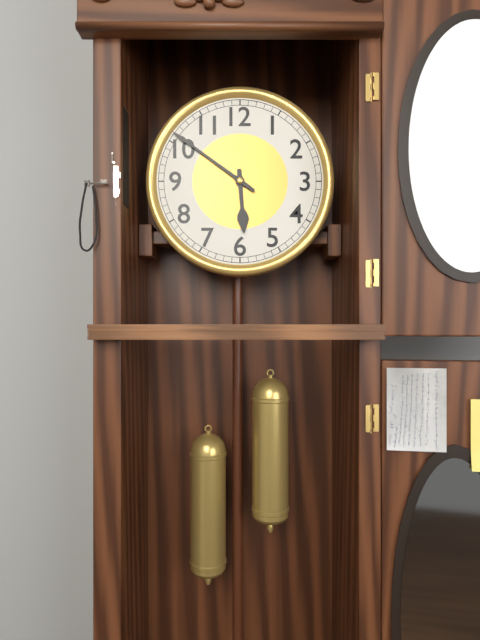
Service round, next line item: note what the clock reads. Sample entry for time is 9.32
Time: 5.51
